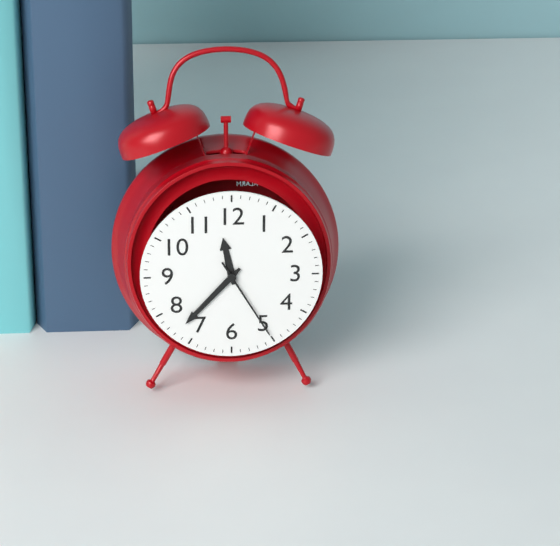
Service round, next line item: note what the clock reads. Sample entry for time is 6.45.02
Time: 11.37.25
